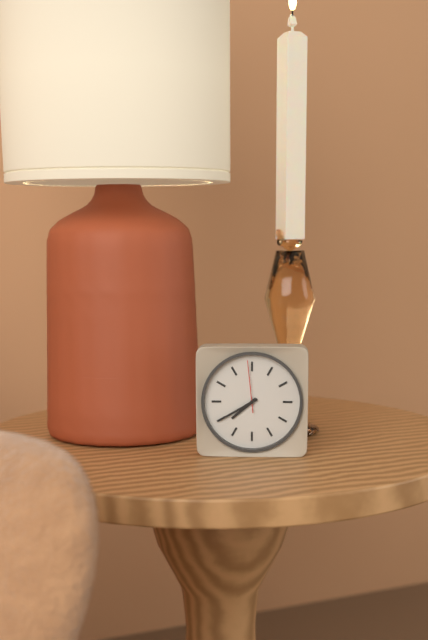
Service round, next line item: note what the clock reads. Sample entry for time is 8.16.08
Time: 7.40.59
